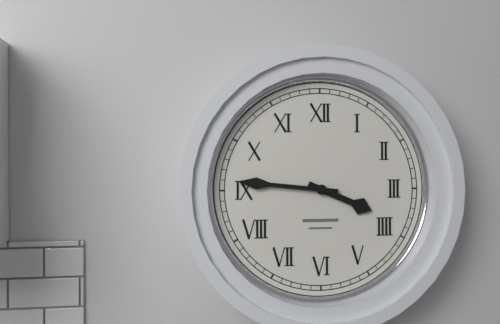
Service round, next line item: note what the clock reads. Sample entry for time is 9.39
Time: 3.46
